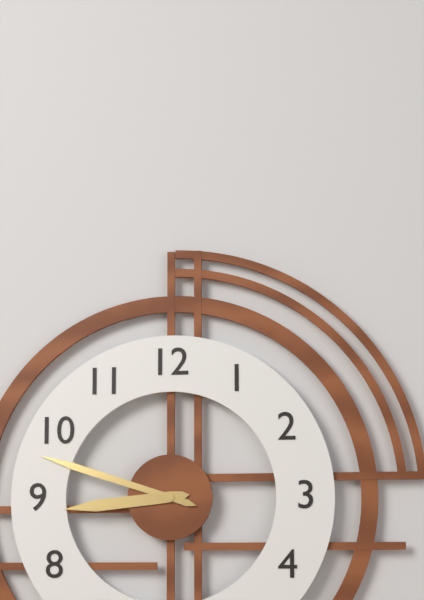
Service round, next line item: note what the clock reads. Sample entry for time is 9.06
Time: 8.48
